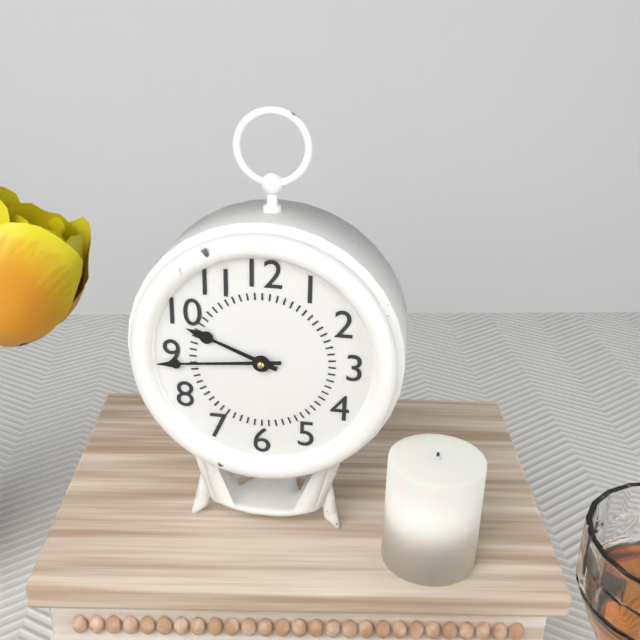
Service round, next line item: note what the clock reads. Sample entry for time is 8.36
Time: 9.44
